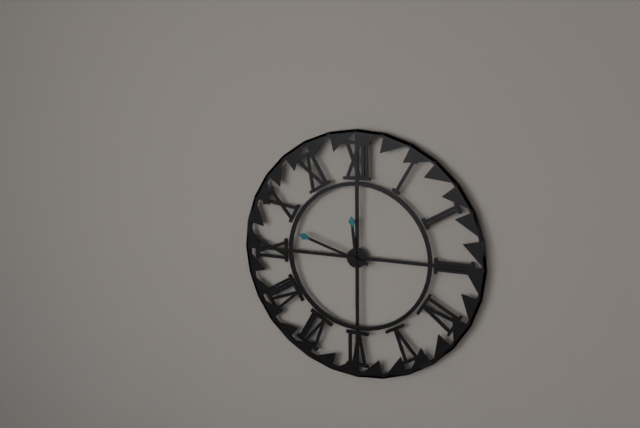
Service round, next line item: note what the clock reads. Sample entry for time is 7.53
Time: 11.48
